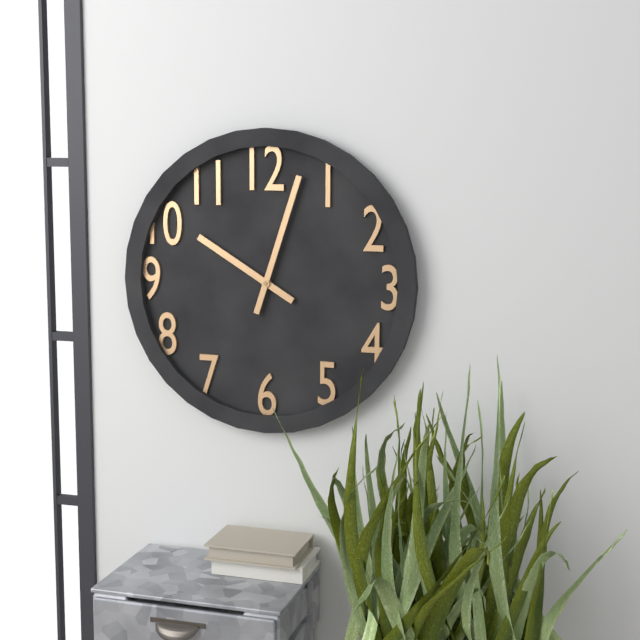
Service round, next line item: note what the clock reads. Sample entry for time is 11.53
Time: 10.03
